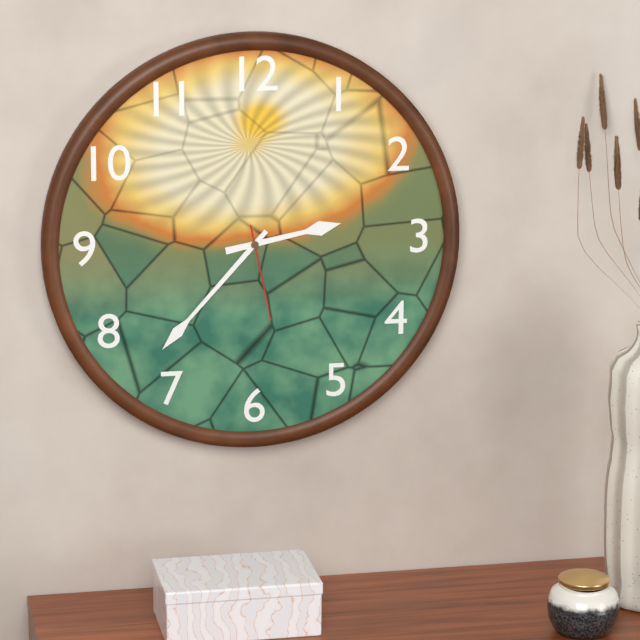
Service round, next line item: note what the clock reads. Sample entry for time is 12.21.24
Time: 2.37.28
